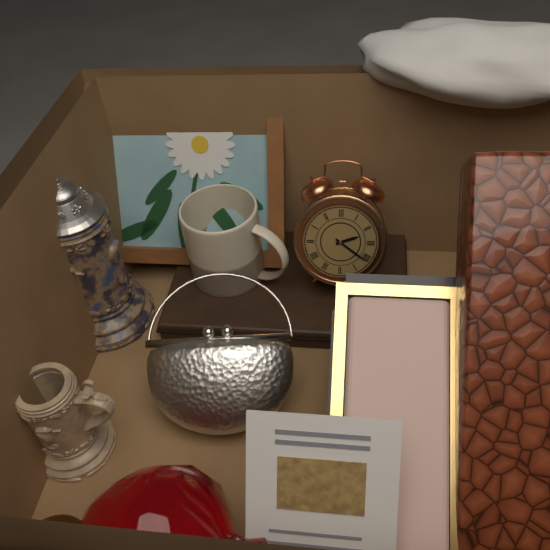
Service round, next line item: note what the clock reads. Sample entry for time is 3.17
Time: 2.21
